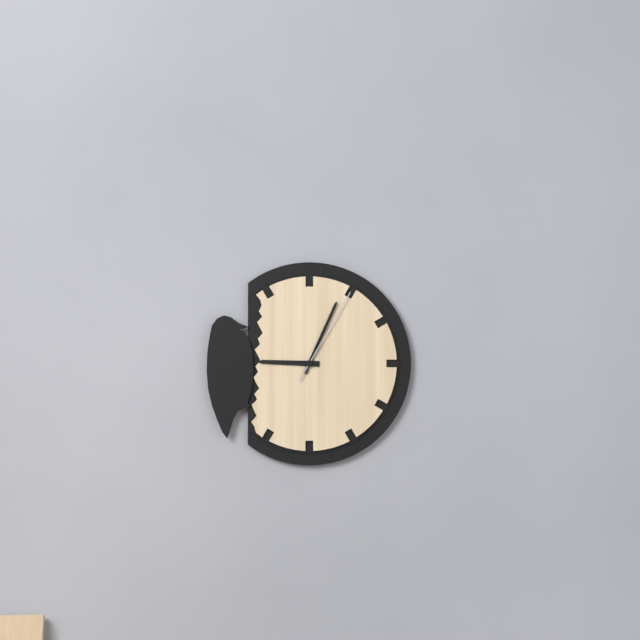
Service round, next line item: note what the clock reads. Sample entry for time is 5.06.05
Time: 9.04.05
